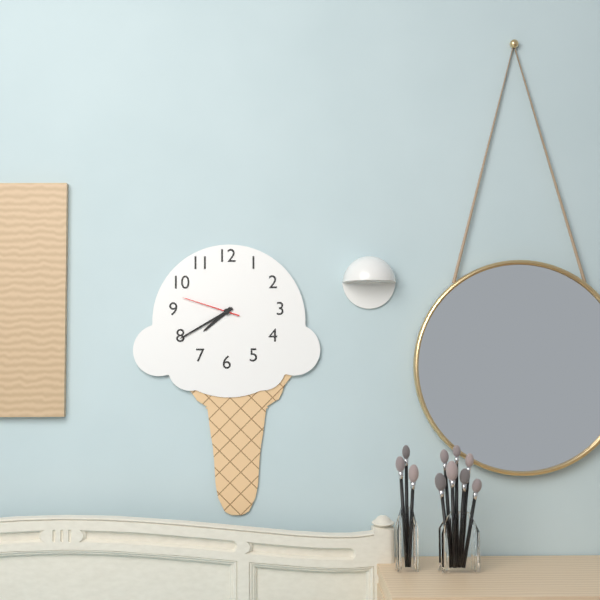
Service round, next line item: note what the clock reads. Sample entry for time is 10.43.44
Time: 7.40.48
